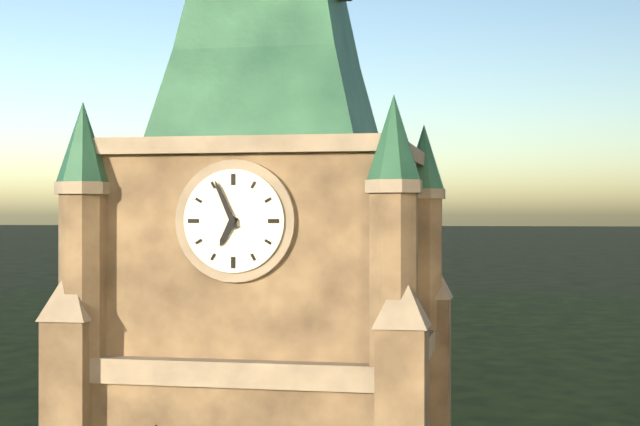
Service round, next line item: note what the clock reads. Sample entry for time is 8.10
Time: 6.56
